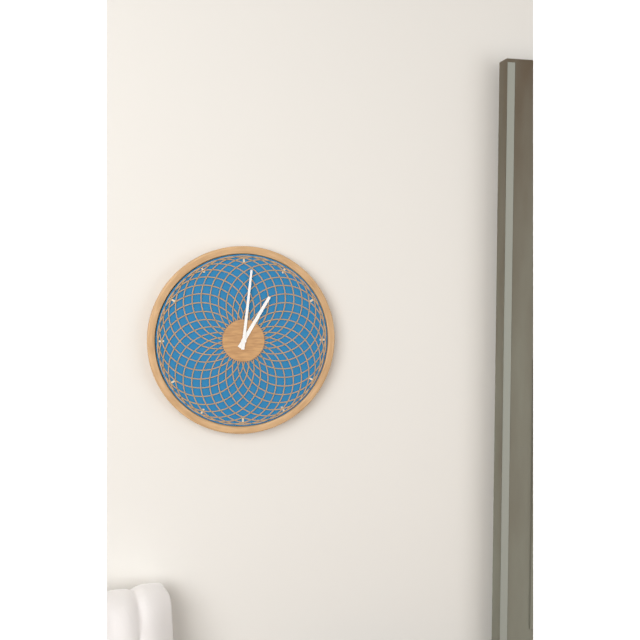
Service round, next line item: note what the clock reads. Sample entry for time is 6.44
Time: 1.01
